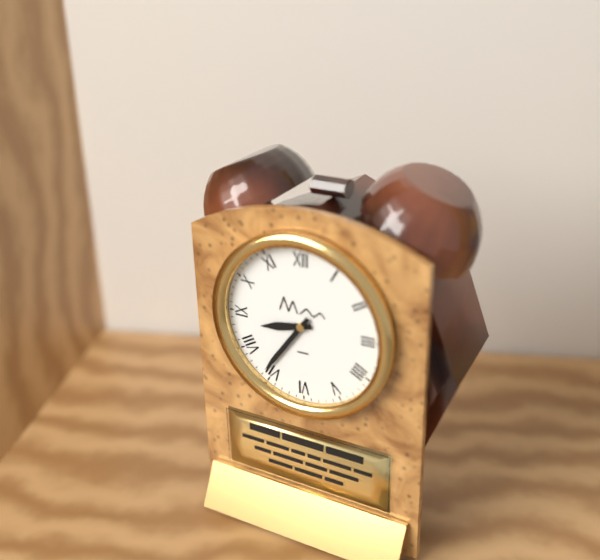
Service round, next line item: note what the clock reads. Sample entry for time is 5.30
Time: 8.36
